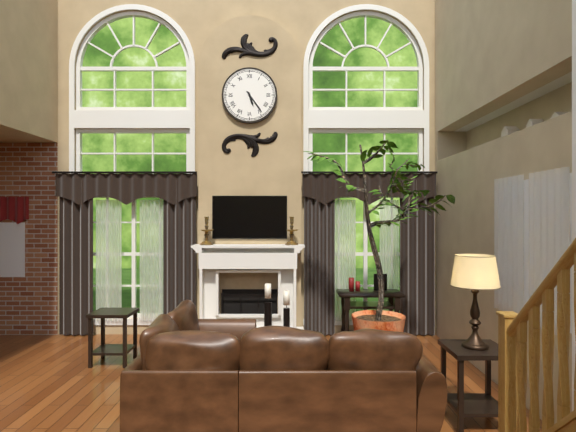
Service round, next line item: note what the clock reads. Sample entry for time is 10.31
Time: 5.24
